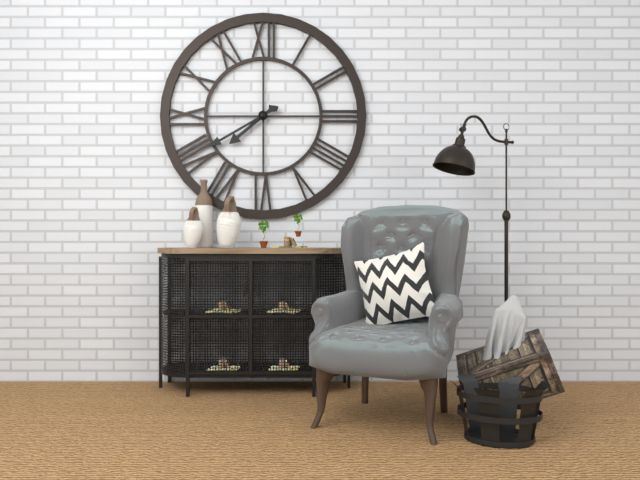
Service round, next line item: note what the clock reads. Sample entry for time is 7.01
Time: 7.40
